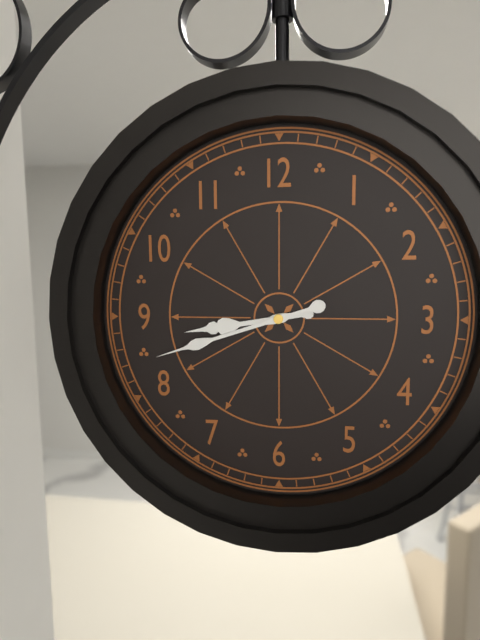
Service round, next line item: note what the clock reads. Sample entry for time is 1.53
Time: 8.42
